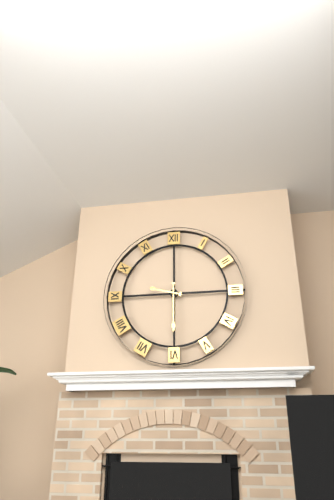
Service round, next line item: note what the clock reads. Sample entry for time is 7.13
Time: 9.30
